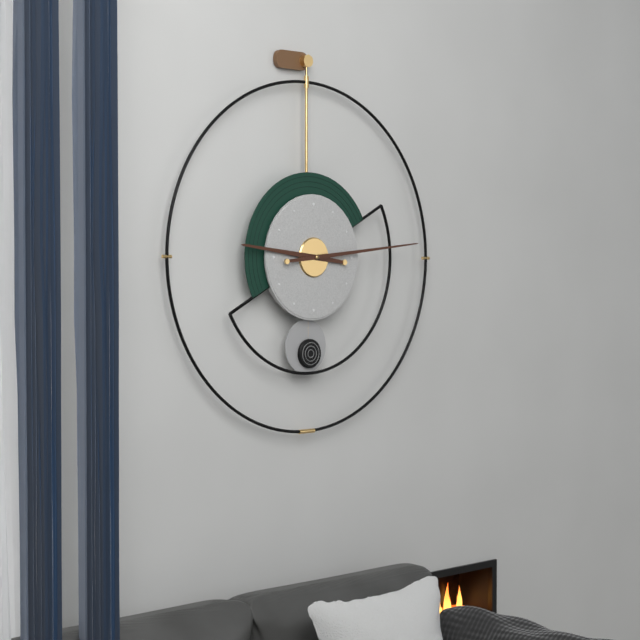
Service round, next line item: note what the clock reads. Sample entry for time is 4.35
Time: 9.14
